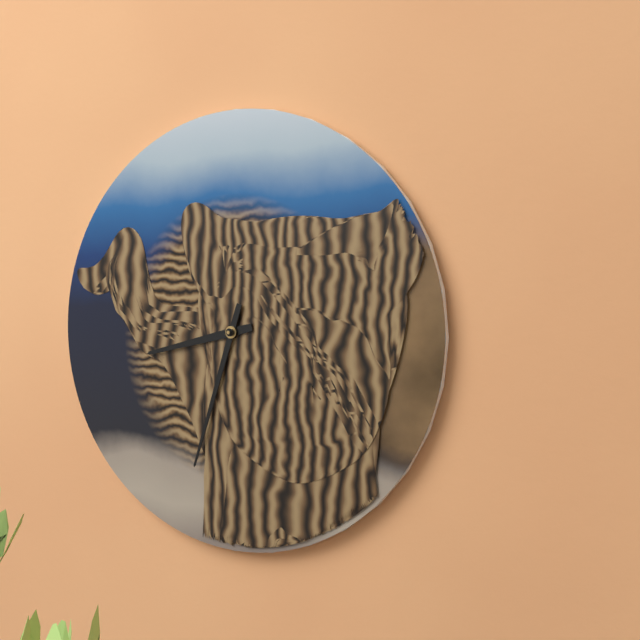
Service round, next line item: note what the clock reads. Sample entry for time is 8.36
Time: 8.33
